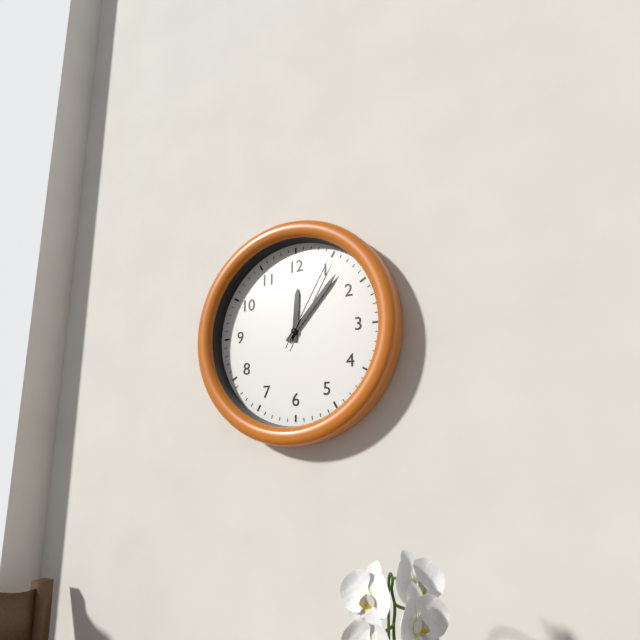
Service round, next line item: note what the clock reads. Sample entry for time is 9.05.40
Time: 12.07.05
